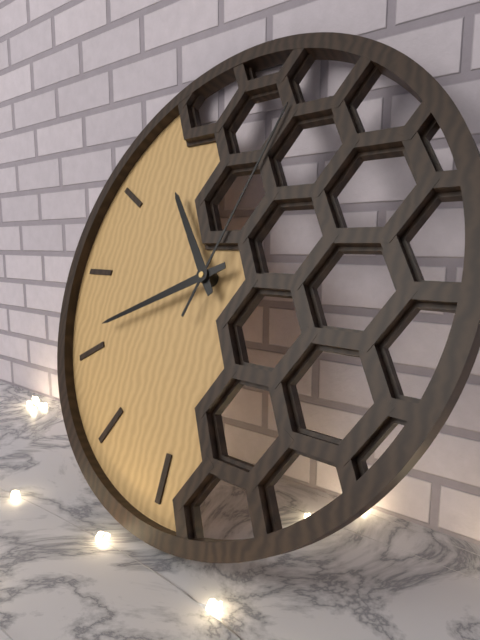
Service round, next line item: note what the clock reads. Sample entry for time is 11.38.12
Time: 10.41.03
